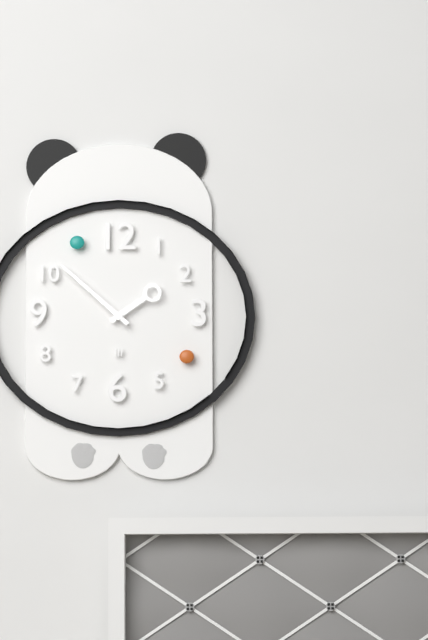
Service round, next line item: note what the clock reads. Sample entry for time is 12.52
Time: 1.52
